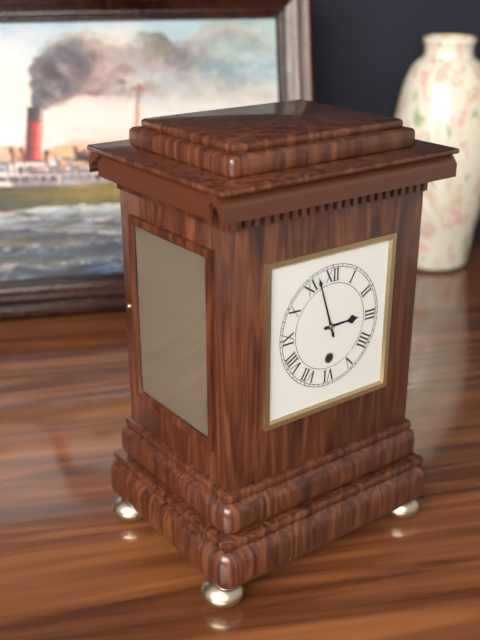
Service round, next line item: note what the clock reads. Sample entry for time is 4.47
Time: 2.57
